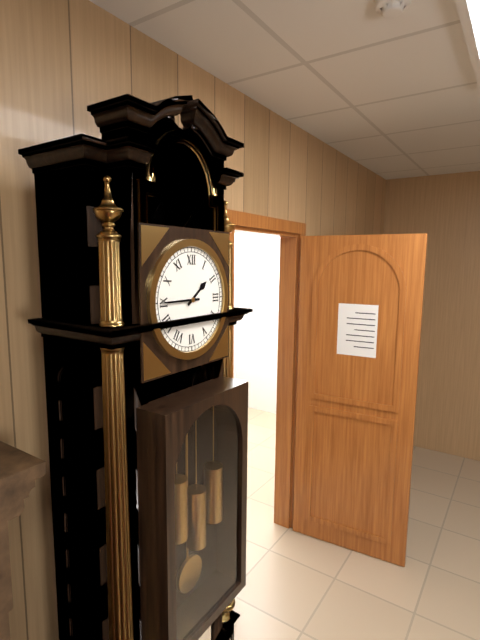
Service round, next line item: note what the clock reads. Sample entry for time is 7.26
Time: 1.45
